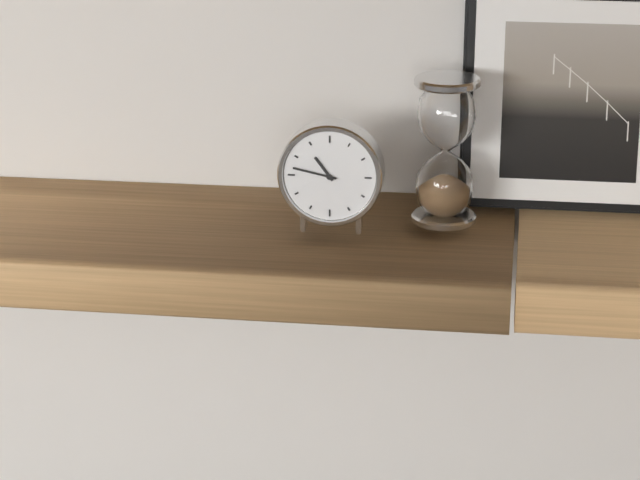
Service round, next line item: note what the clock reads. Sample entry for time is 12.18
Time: 10.47
